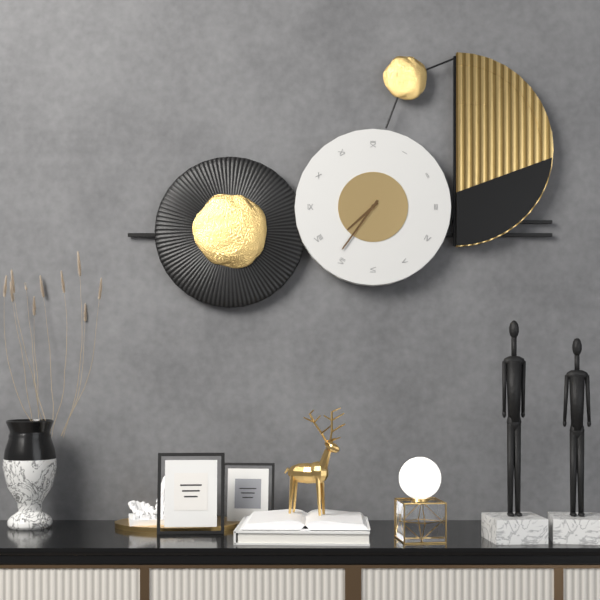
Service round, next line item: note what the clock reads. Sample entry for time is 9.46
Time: 7.36
